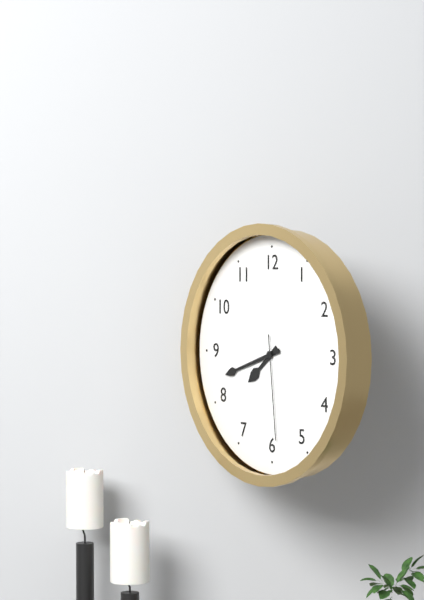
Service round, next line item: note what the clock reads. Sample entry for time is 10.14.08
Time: 7.42.29
